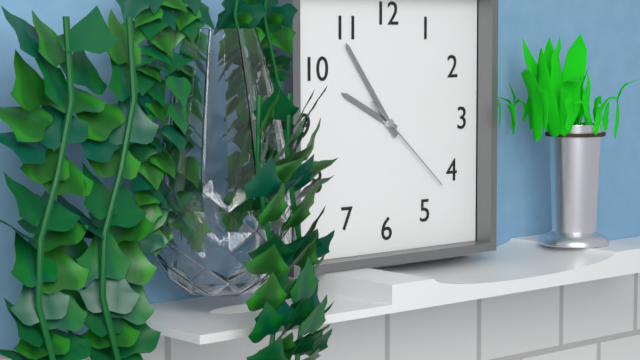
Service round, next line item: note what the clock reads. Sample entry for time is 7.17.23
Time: 9.54.22
